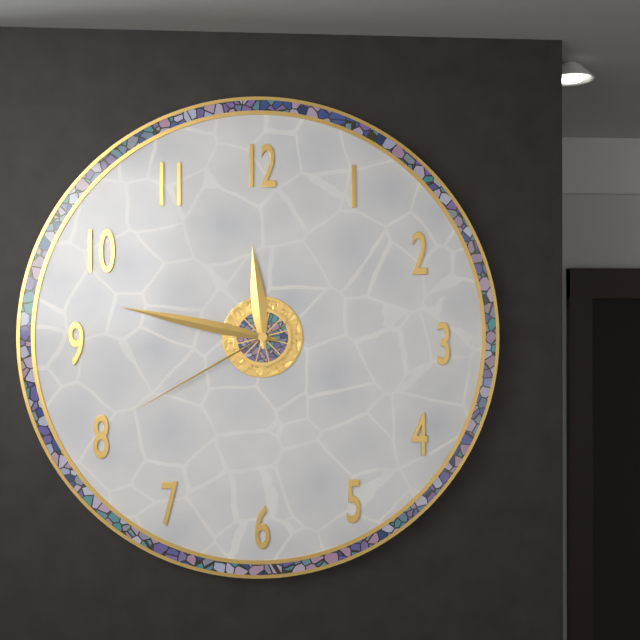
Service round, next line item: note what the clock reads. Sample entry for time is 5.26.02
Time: 11.47.40
